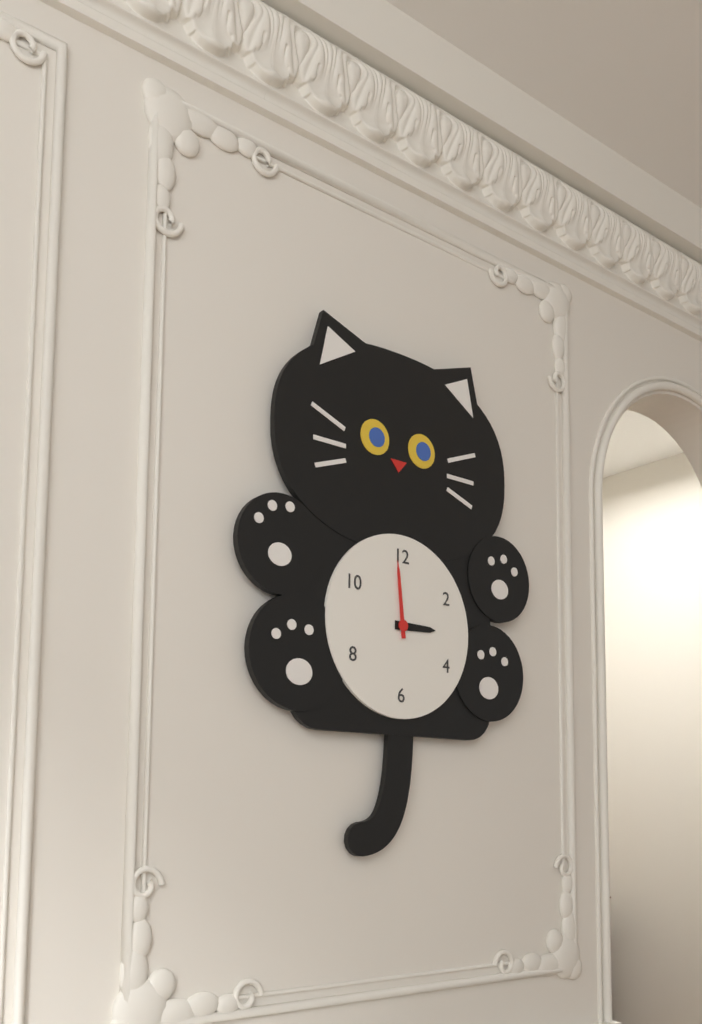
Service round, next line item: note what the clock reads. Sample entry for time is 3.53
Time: 2.59
